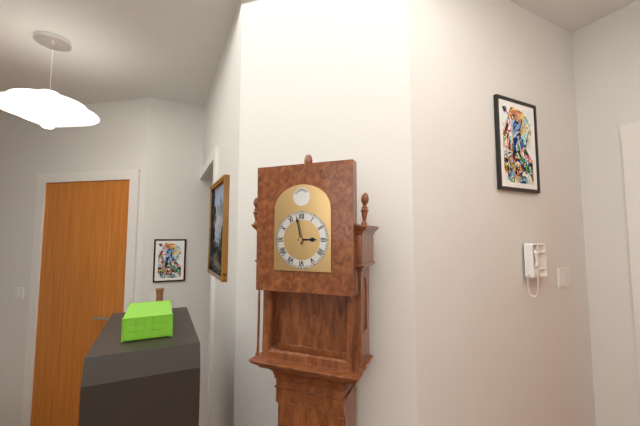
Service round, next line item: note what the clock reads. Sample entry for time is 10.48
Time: 2.58
